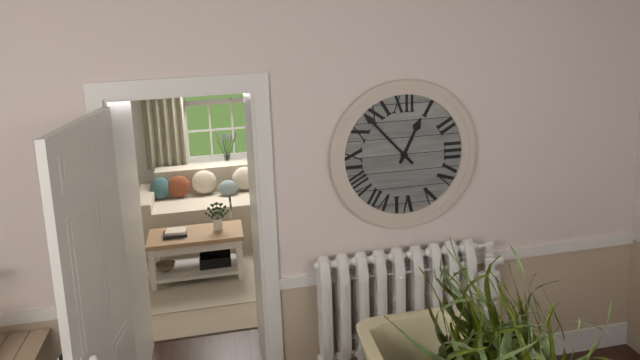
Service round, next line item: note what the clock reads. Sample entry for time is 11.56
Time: 12.53
